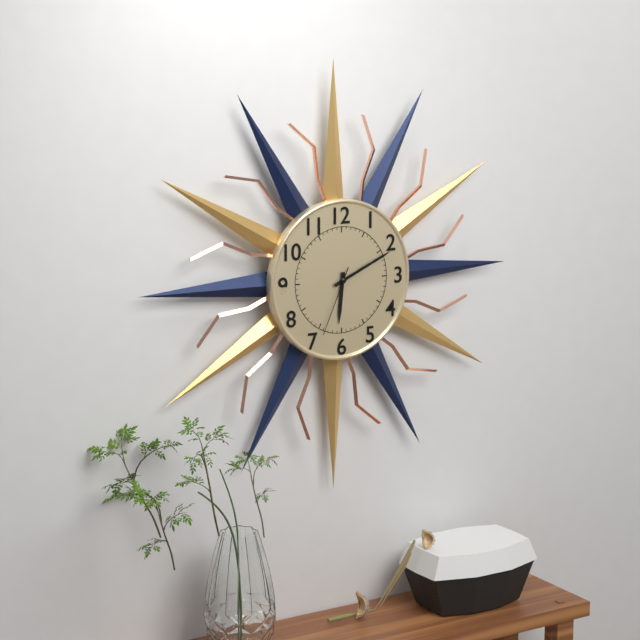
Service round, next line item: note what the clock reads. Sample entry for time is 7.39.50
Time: 6.11.34
